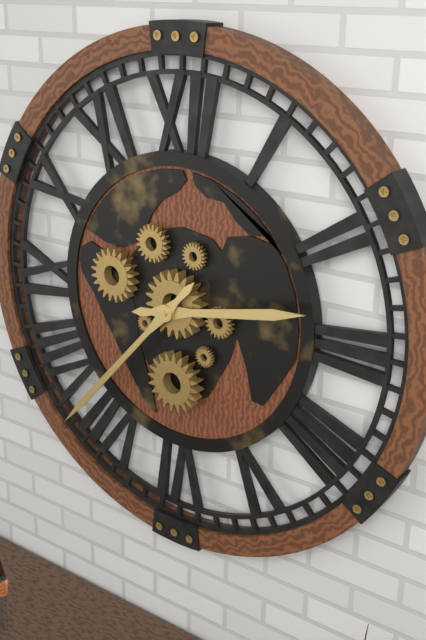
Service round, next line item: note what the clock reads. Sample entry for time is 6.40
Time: 2.37
